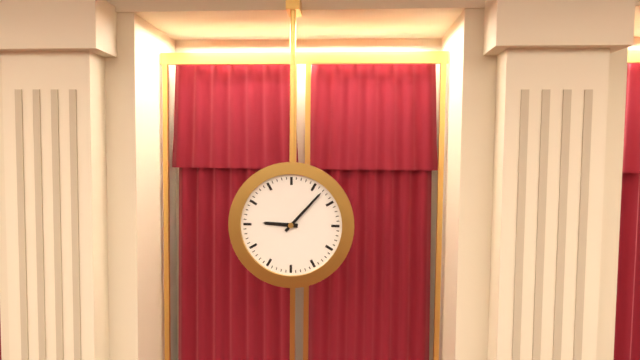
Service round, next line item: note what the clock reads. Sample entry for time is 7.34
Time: 9.07
